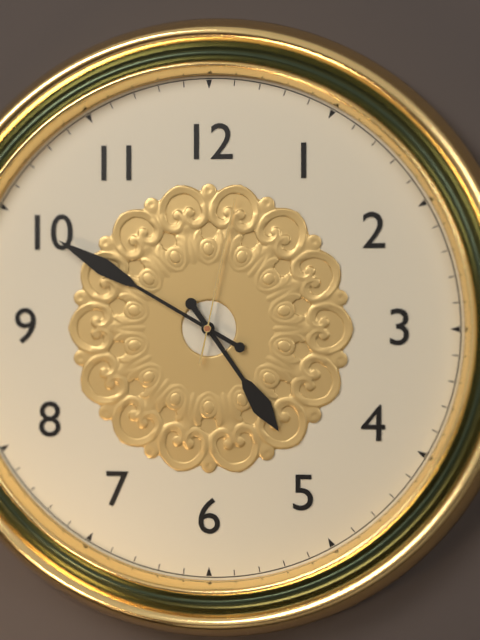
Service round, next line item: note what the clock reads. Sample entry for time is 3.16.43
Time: 4.50.02
